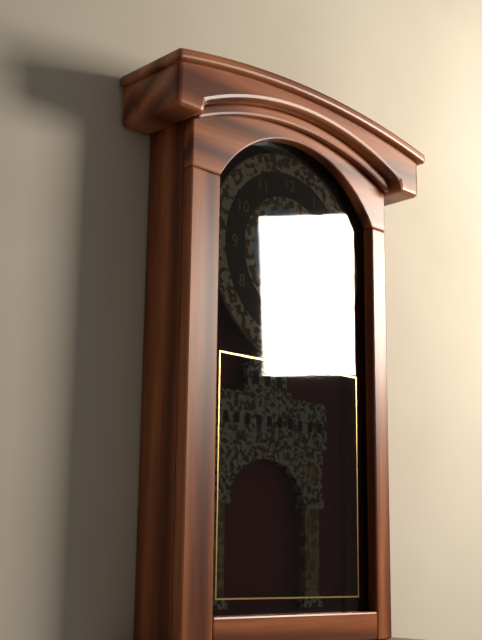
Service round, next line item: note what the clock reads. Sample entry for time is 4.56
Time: 2.07
